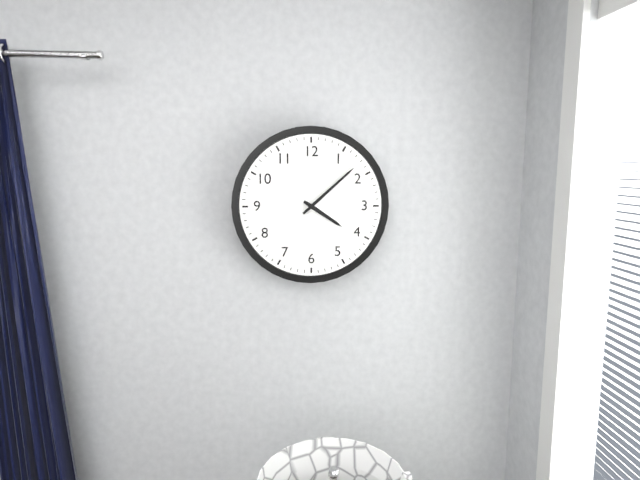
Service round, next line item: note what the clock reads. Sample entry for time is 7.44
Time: 4.08
